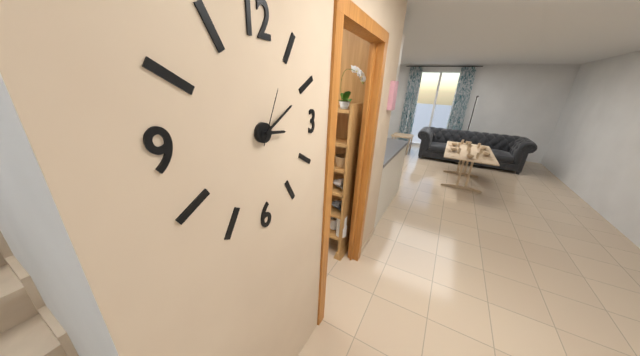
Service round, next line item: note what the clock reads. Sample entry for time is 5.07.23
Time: 3.10.04
